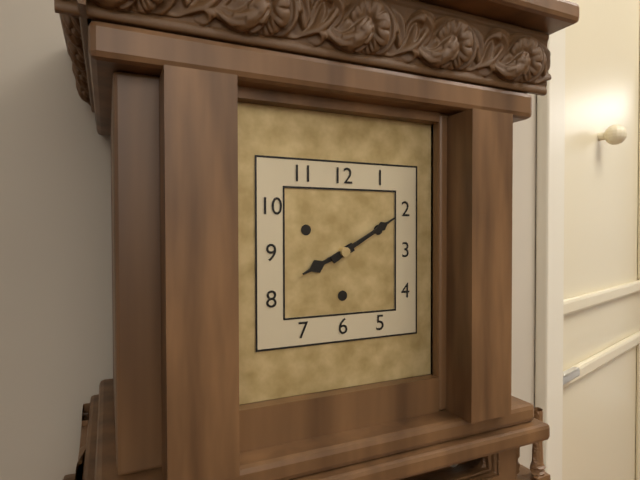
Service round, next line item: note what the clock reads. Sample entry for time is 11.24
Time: 8.10
